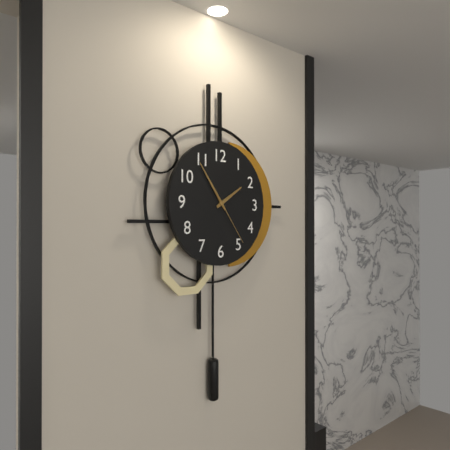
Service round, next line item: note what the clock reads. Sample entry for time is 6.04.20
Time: 1.54.24
